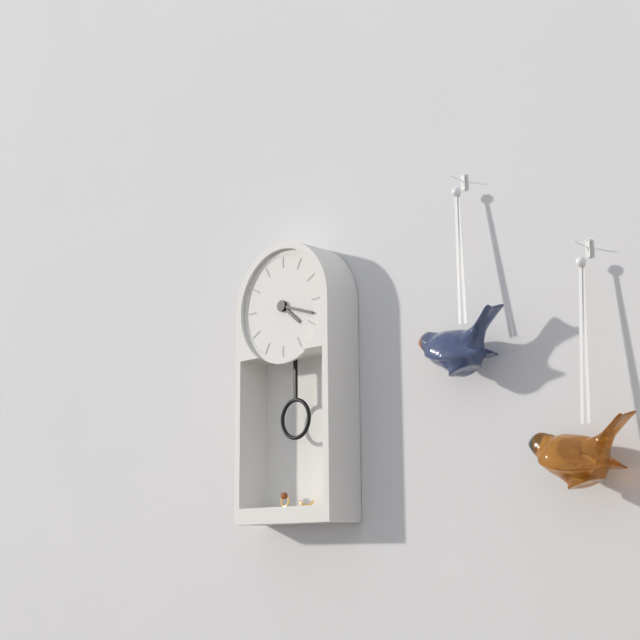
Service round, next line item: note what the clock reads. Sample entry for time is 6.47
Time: 4.18
